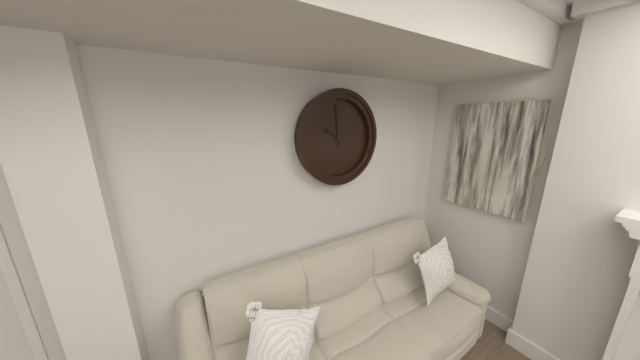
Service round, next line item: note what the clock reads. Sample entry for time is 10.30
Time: 9.59
